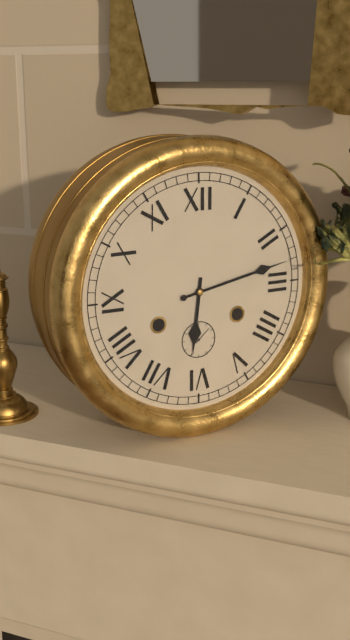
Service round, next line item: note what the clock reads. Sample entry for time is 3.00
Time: 6.13
